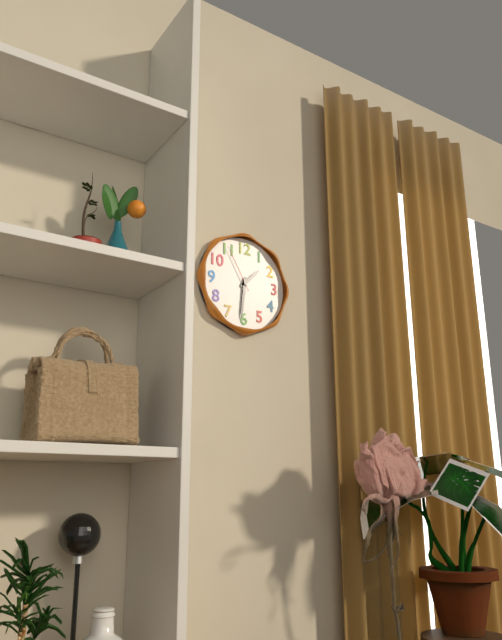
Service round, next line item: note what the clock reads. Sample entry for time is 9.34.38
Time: 1.31.55
